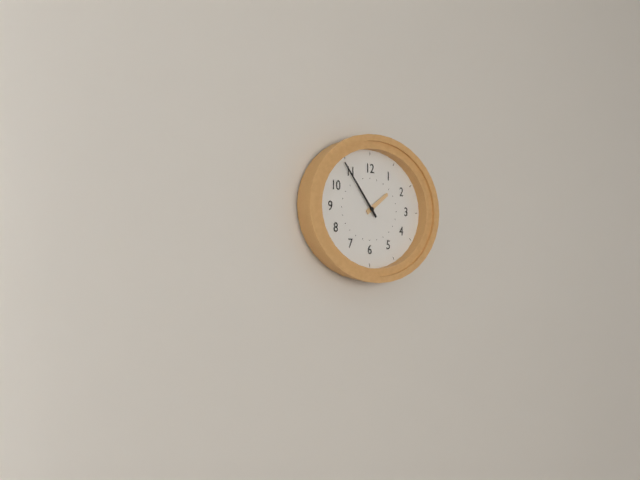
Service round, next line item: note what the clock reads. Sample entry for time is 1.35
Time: 1.53
